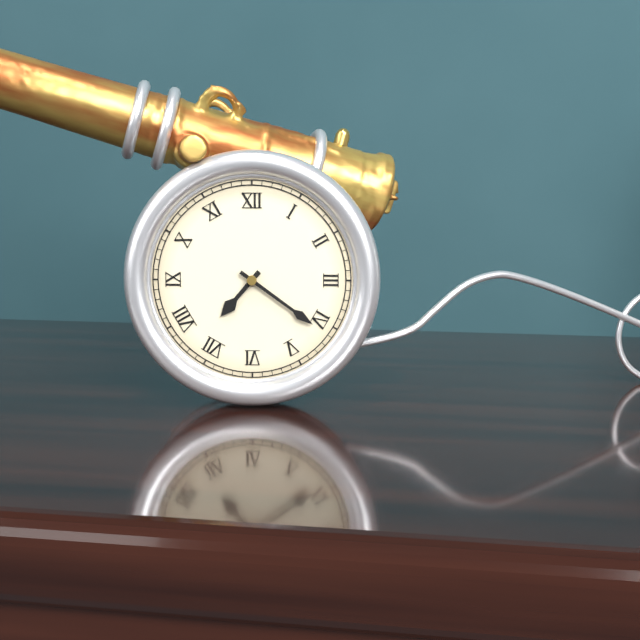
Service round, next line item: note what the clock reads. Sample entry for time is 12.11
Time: 7.21
